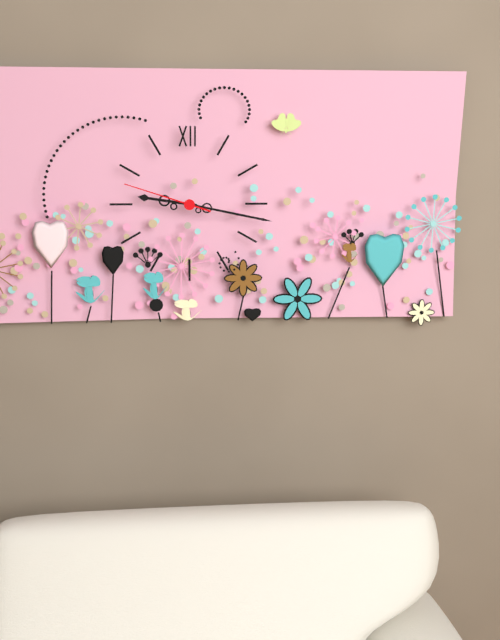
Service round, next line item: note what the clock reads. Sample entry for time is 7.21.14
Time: 9.17.48
